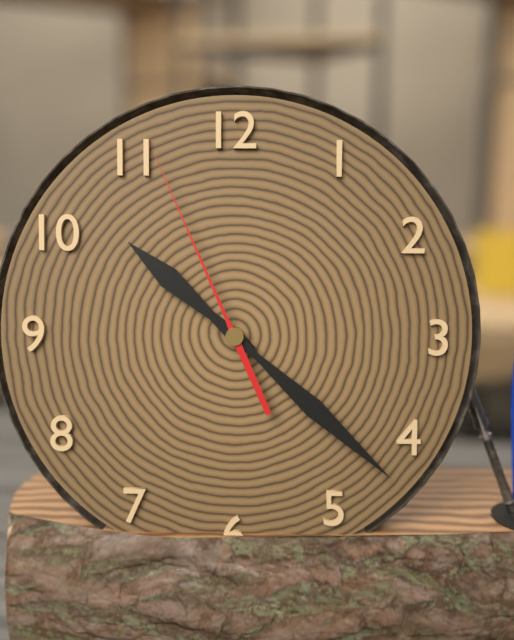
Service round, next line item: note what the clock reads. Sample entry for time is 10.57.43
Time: 10.22.56
